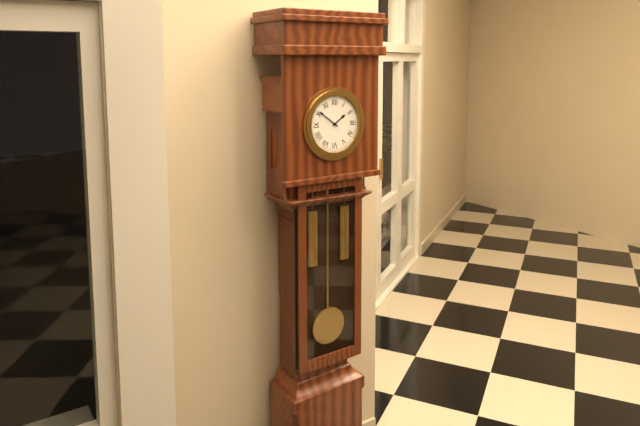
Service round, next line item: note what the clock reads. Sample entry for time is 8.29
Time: 1.51
